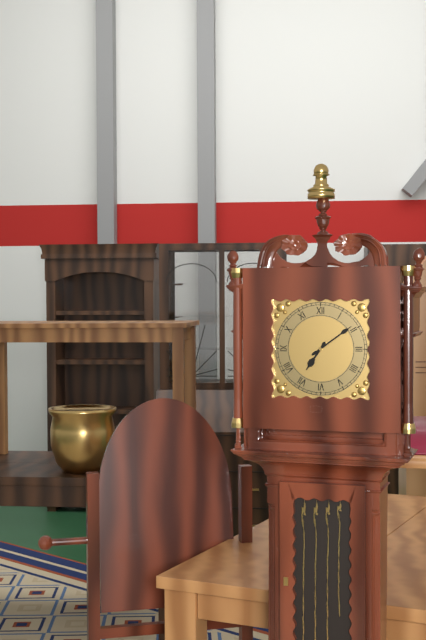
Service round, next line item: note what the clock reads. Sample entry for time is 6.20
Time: 7.09
